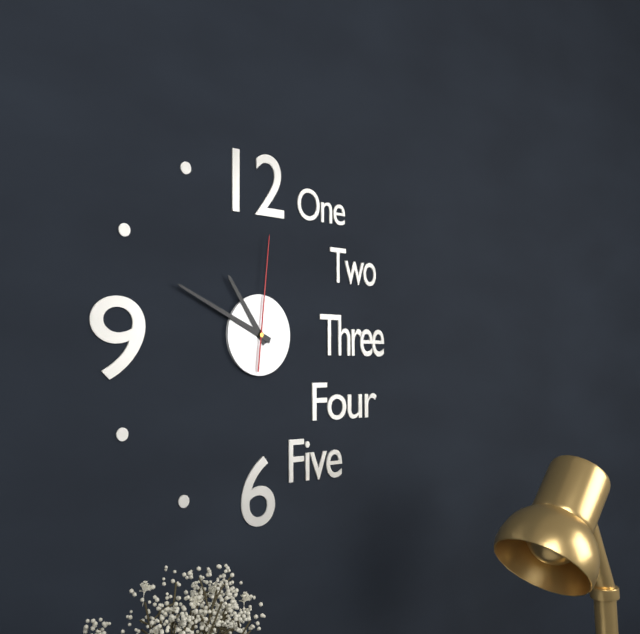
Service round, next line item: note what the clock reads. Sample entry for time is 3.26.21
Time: 10.49.01
